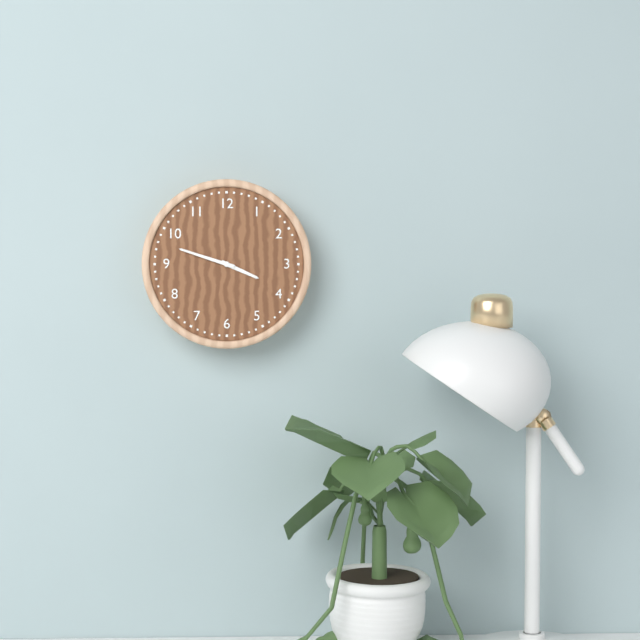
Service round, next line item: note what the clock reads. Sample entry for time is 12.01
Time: 3.48
